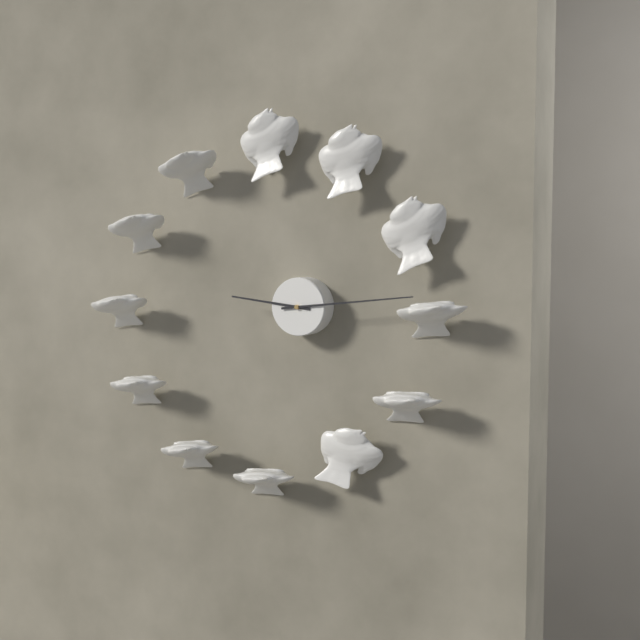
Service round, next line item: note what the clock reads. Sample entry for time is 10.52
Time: 9.14
